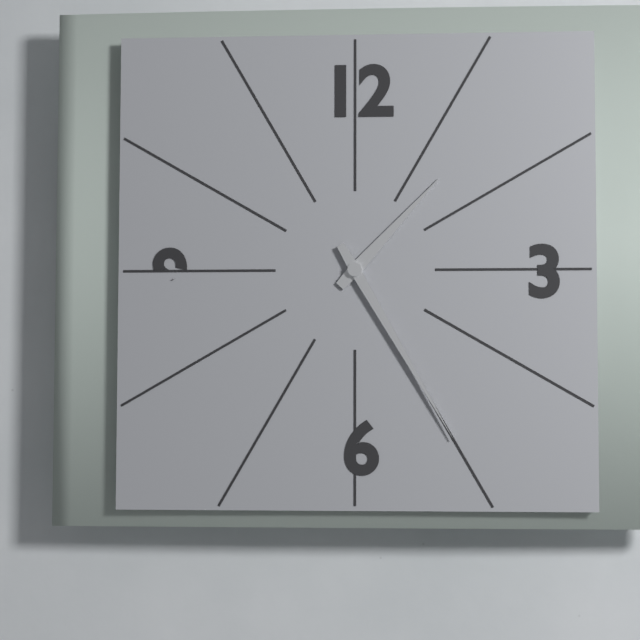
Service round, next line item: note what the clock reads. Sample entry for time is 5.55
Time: 1.25
